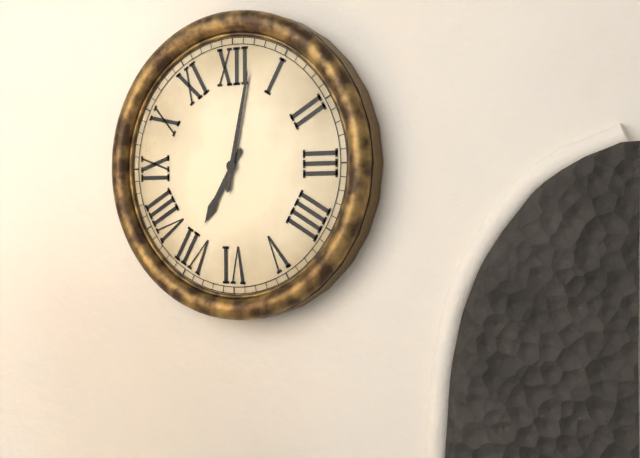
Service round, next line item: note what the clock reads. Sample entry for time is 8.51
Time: 7.02
